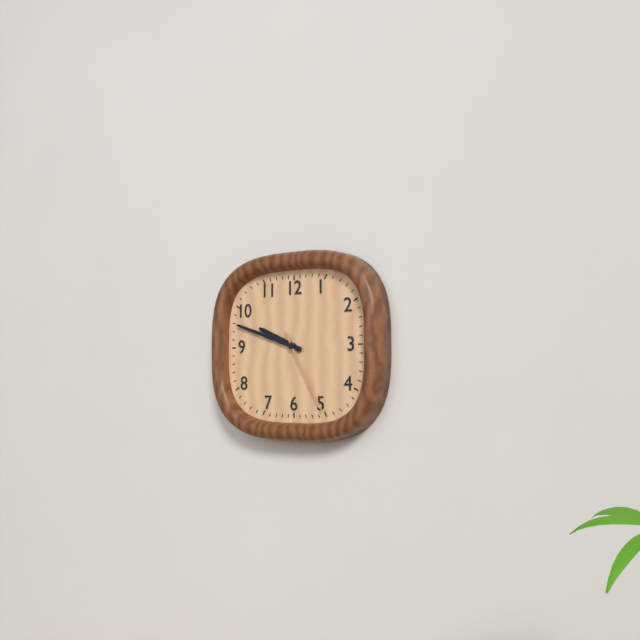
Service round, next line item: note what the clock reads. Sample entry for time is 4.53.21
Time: 9.48.25
